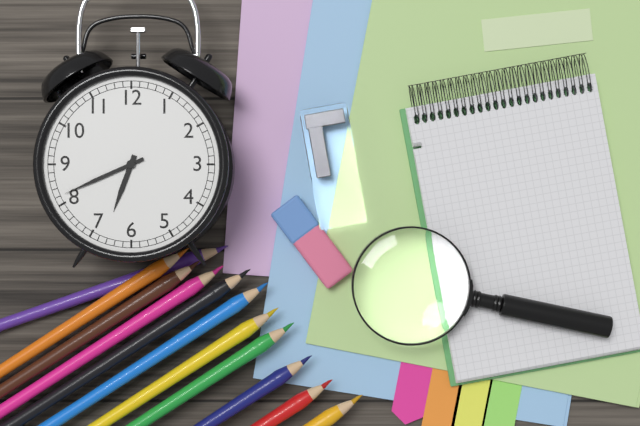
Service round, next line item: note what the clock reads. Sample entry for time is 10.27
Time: 6.41
